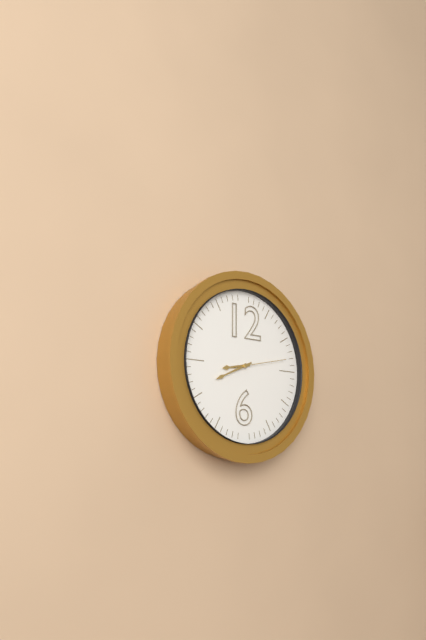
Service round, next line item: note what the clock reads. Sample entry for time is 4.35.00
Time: 8.41.13
